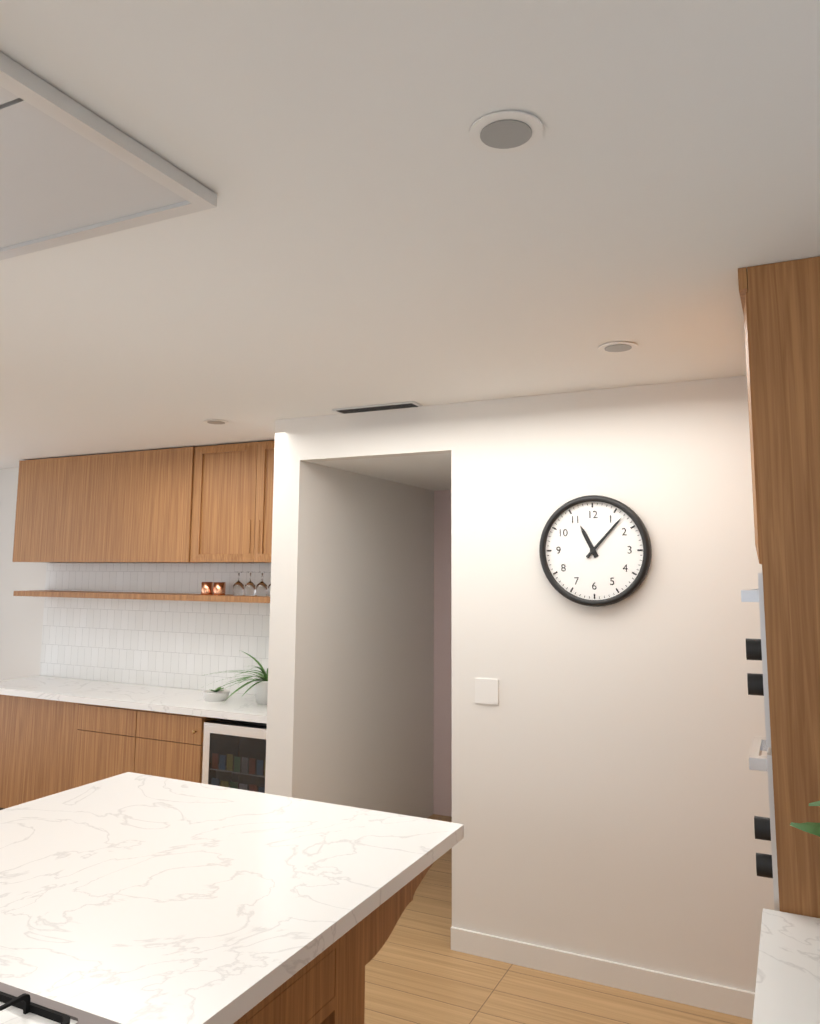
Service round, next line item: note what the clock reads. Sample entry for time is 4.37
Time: 11.07
